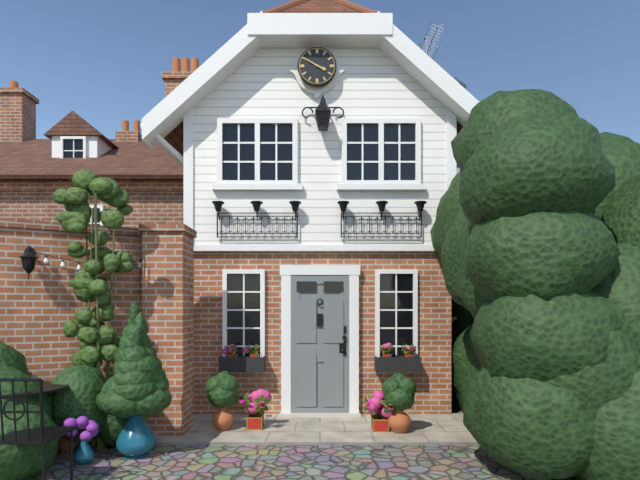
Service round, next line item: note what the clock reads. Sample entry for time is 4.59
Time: 3.50
